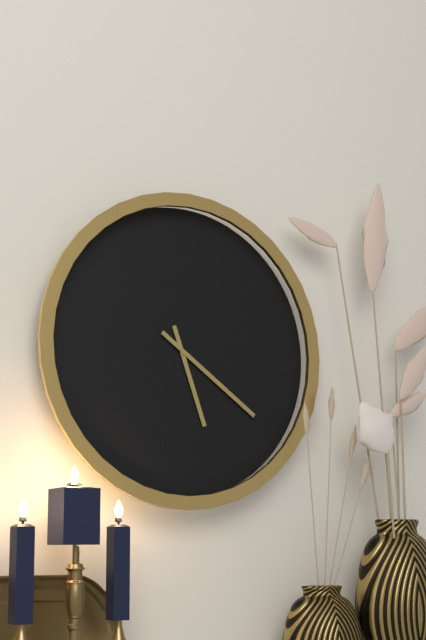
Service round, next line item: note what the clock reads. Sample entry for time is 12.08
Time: 5.21
